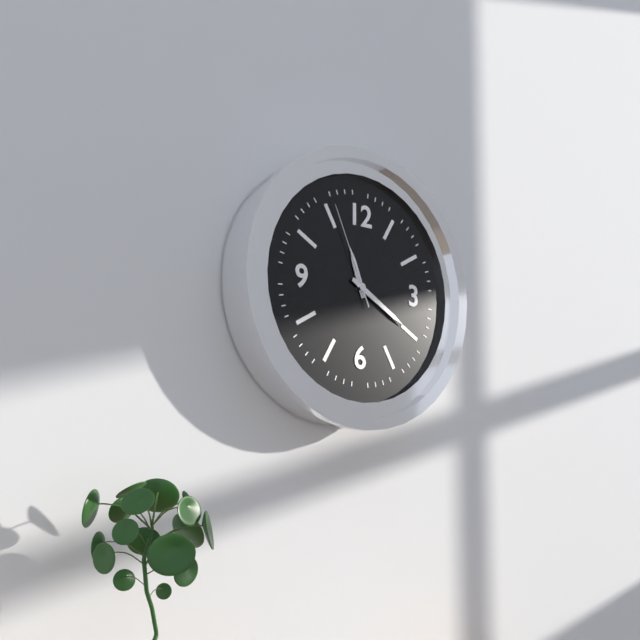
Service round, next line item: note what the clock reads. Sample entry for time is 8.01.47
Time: 11.20.56
